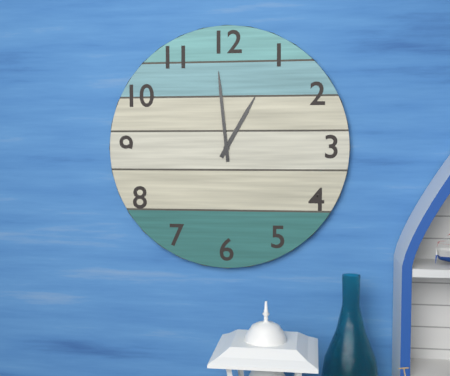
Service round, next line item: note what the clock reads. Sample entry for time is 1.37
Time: 12.59
